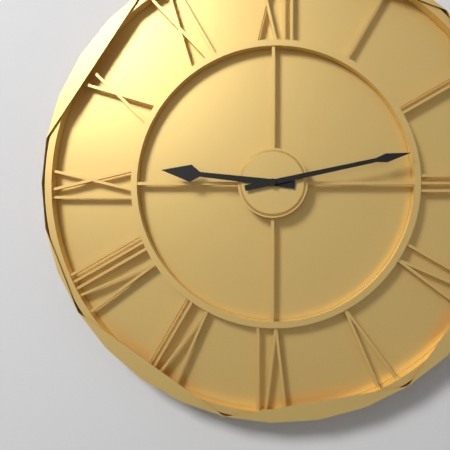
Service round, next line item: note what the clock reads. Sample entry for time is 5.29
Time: 9.13
